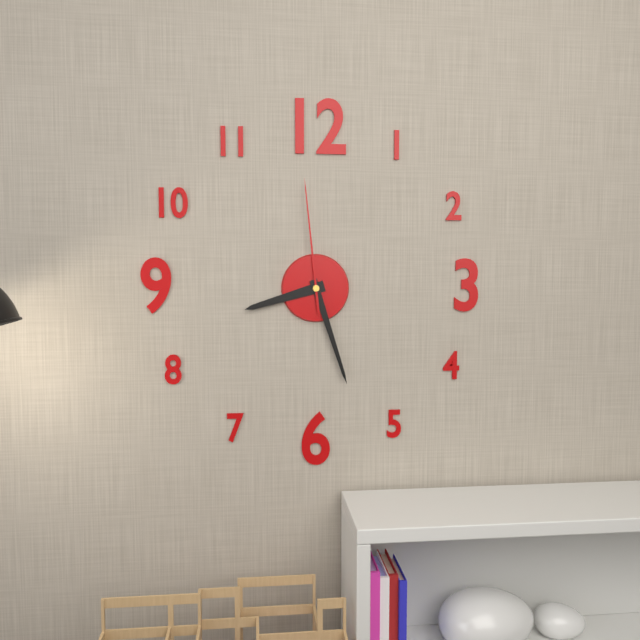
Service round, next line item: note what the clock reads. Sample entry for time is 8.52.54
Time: 8.27.59
